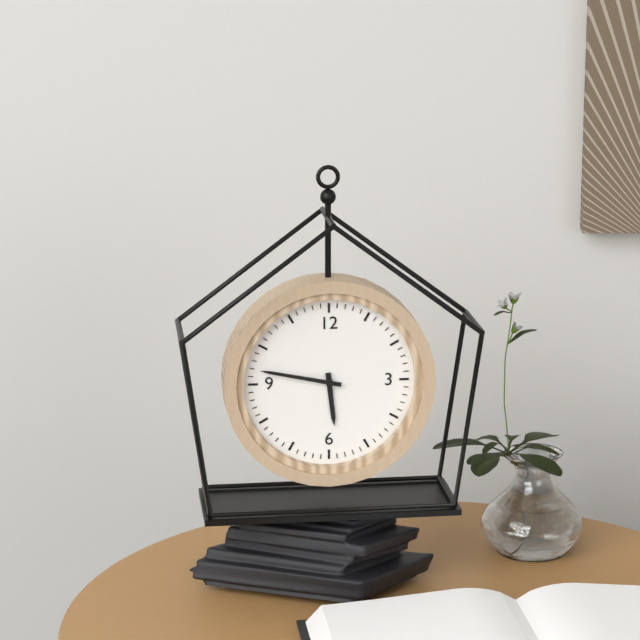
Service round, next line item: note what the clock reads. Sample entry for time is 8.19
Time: 5.47
